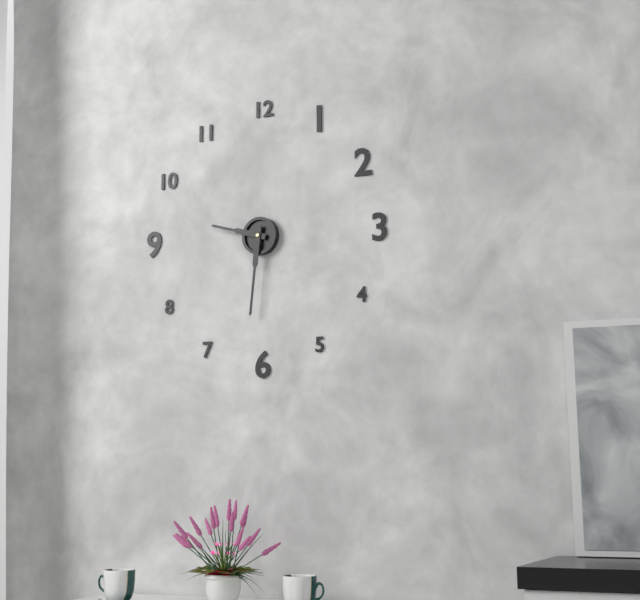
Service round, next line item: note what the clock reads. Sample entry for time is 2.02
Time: 9.31
